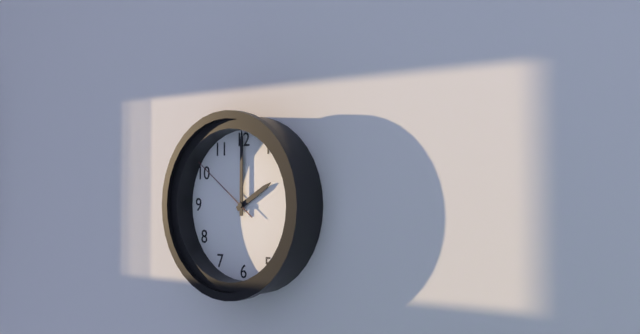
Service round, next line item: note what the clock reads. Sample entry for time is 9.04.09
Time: 2.00.51
